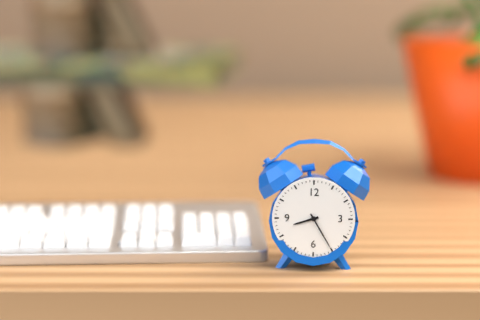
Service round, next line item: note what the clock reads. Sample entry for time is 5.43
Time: 8.25
